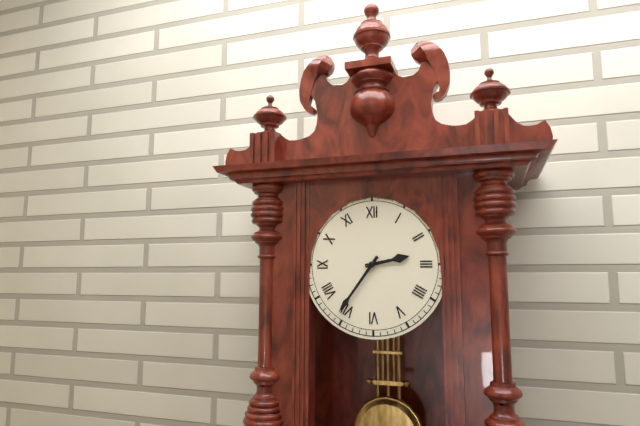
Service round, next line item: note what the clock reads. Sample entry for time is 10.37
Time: 2.36
